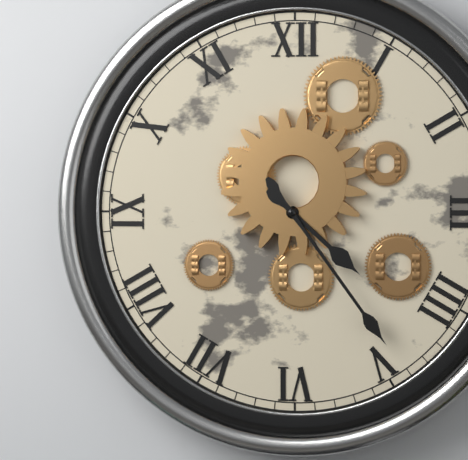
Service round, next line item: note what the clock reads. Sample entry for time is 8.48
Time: 4.24
